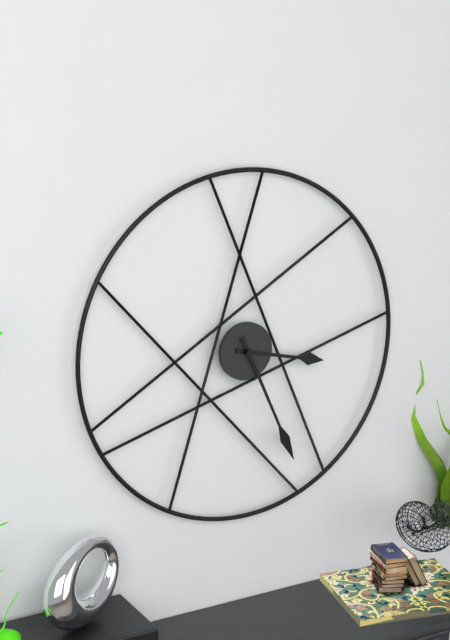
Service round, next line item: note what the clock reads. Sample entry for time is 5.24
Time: 3.26
